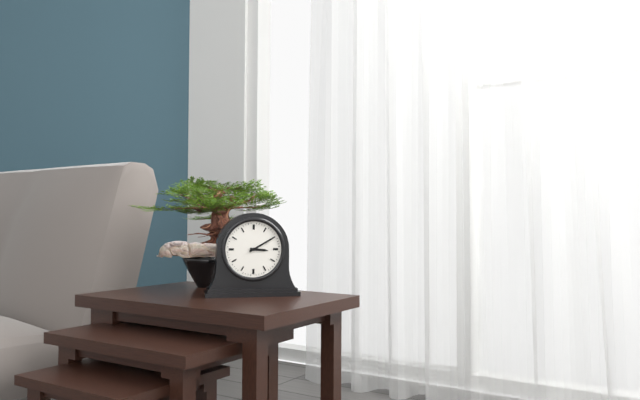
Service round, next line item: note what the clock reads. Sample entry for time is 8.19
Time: 3.10
